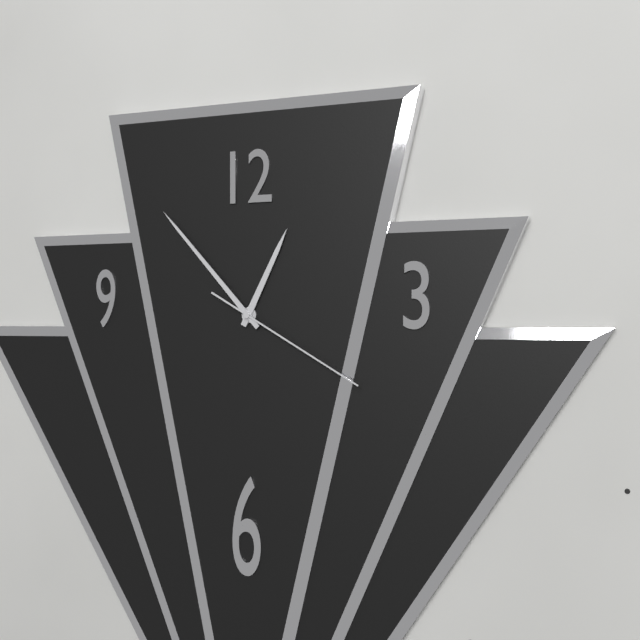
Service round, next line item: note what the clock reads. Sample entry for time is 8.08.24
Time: 12.53.20
